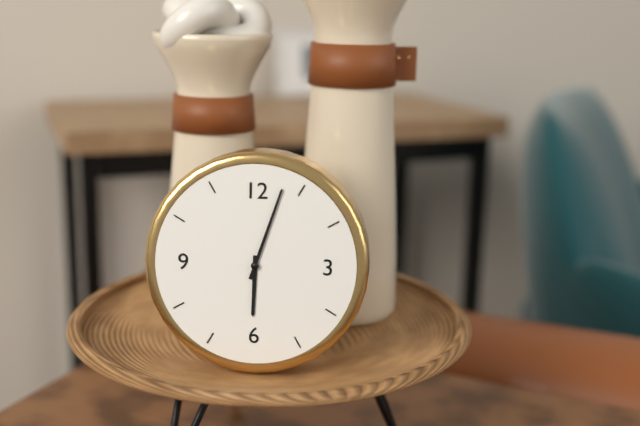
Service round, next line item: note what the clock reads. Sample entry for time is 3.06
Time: 6.03
